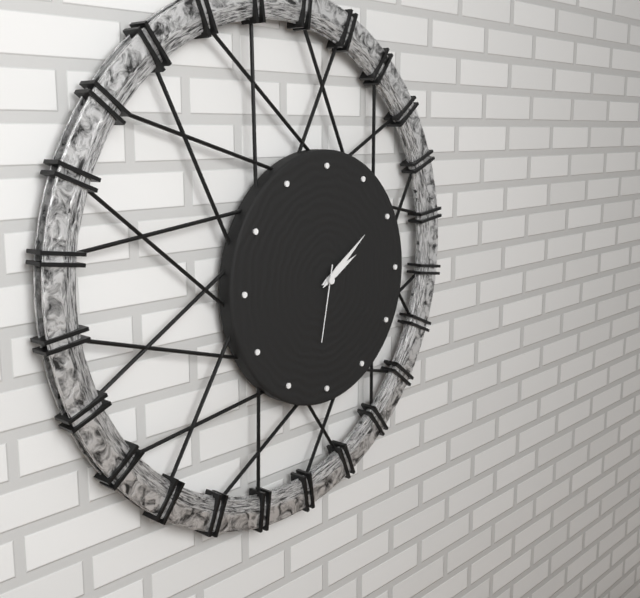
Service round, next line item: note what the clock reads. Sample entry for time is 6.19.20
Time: 2.09.32
